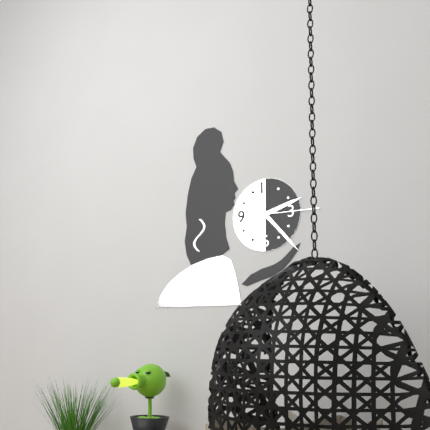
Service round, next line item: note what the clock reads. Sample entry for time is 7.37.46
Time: 2.23.15
